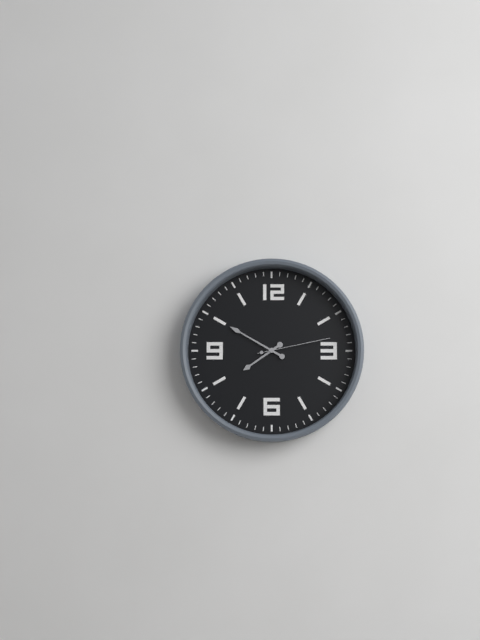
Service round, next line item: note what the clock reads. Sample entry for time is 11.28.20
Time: 7.50.13
